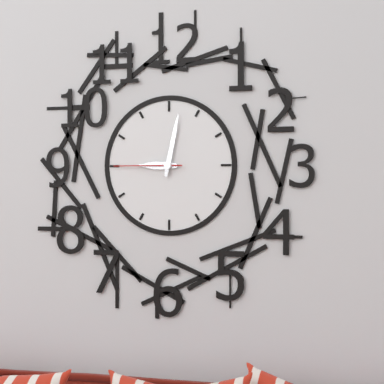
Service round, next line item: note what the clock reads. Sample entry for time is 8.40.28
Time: 9.02.45
